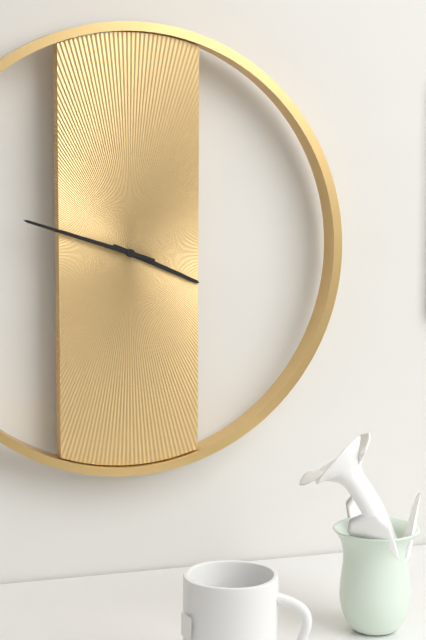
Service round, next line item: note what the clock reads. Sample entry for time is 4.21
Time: 3.48
